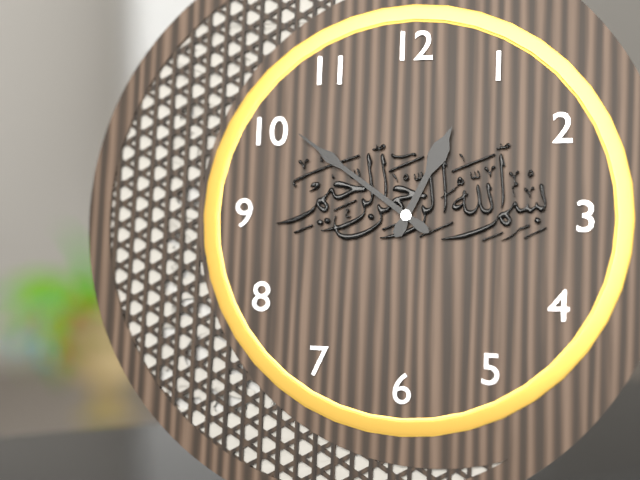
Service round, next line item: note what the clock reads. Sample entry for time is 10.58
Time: 12.51
